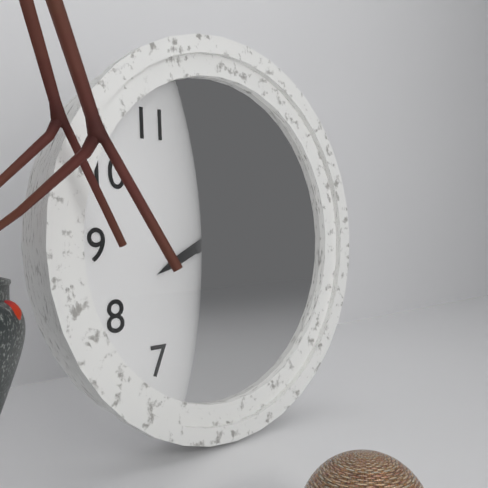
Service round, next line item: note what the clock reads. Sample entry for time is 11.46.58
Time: 8.10.32
